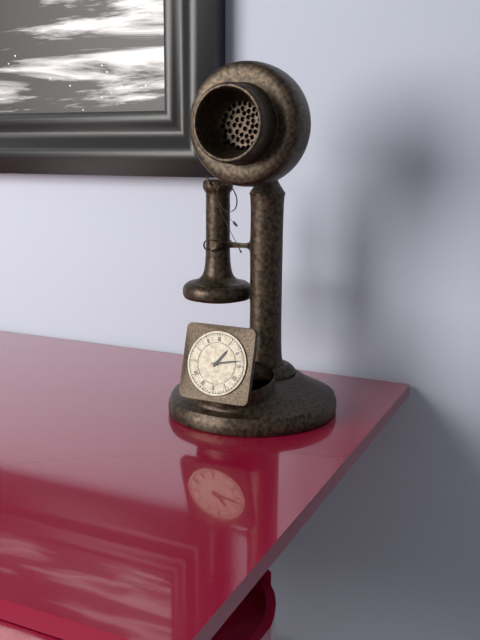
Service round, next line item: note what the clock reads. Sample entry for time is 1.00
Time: 1.13
